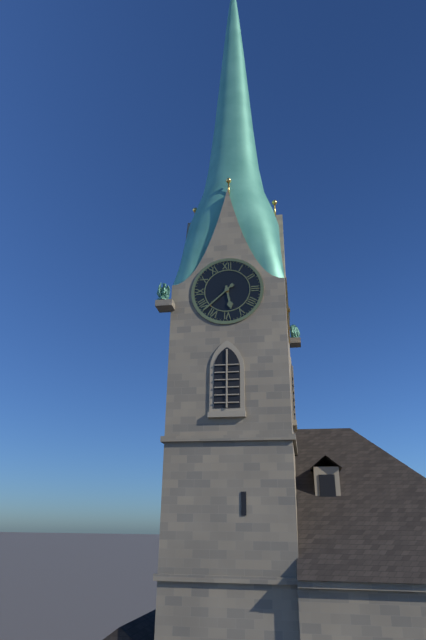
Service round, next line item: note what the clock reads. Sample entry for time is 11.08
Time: 5.38
